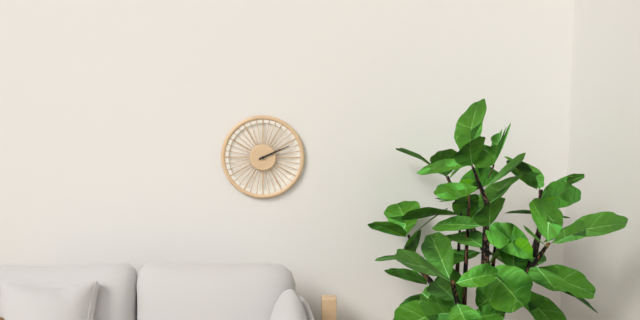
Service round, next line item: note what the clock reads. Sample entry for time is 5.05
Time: 2.11
